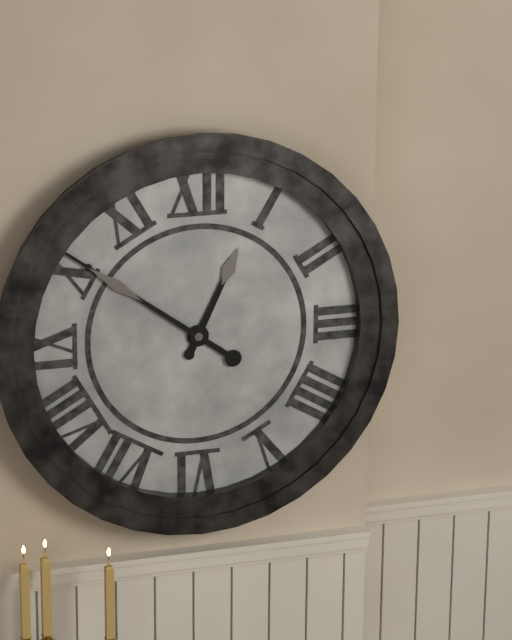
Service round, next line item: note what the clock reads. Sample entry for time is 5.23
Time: 12.51
